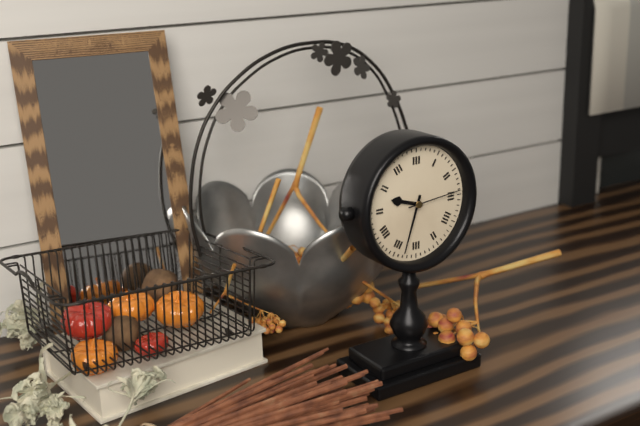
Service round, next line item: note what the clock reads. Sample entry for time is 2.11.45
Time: 9.33.14
